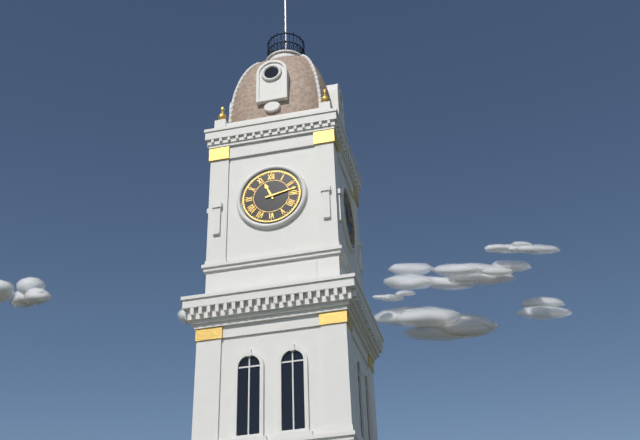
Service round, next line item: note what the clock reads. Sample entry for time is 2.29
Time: 11.13
